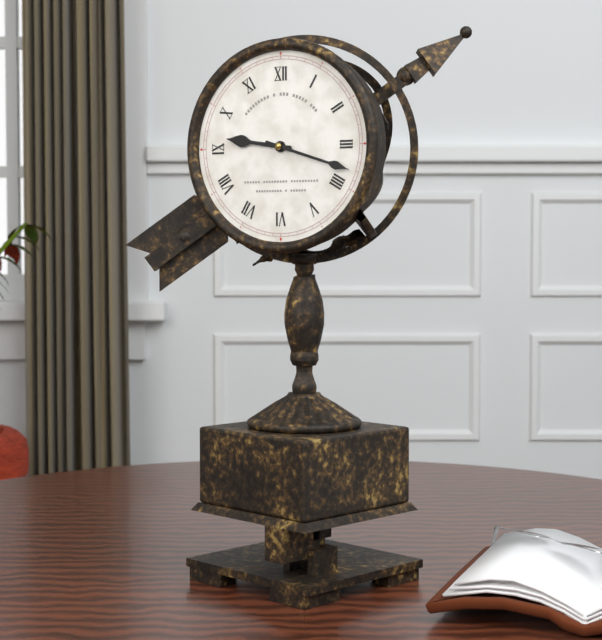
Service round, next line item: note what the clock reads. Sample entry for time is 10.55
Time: 9.18
